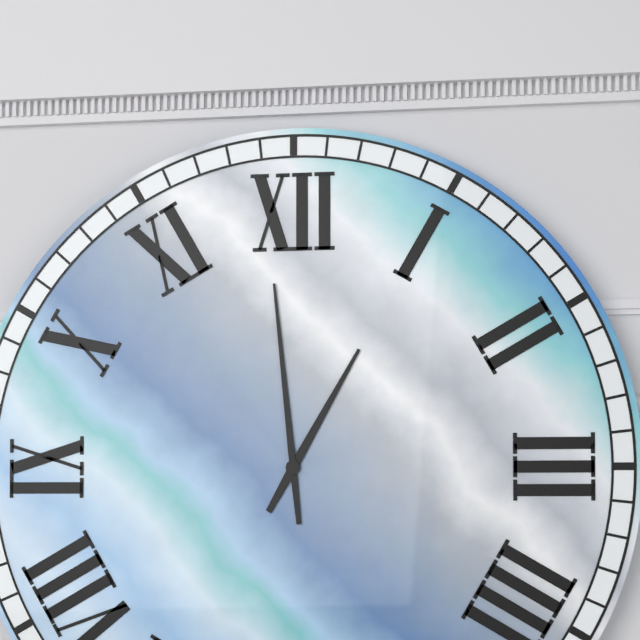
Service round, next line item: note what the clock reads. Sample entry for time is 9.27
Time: 12.59
